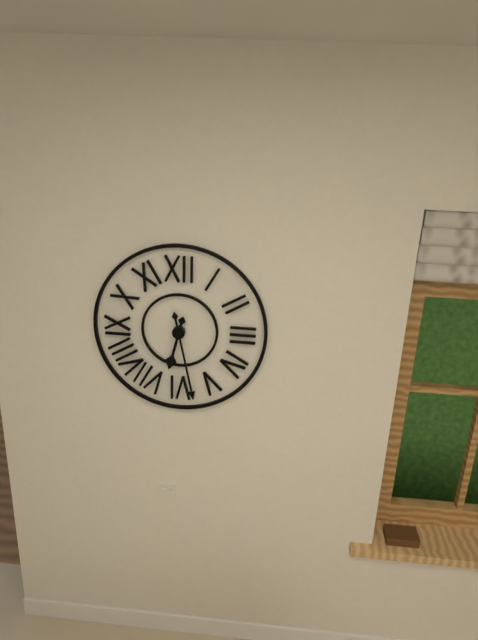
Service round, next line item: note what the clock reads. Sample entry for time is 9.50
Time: 6.28
